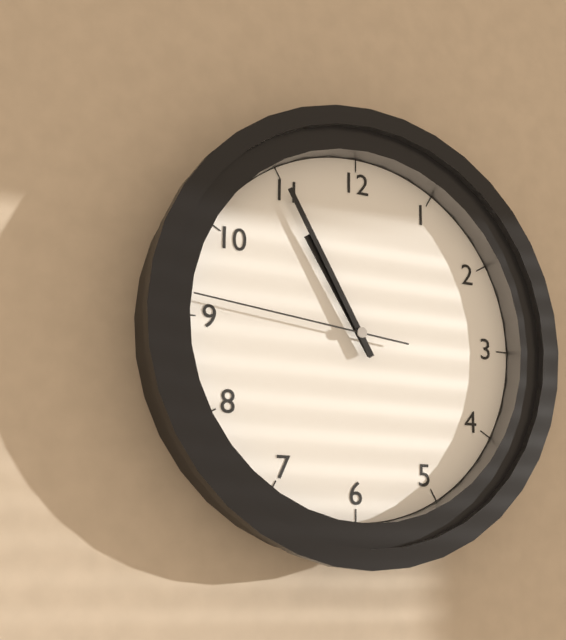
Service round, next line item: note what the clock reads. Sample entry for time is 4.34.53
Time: 10.55.46
